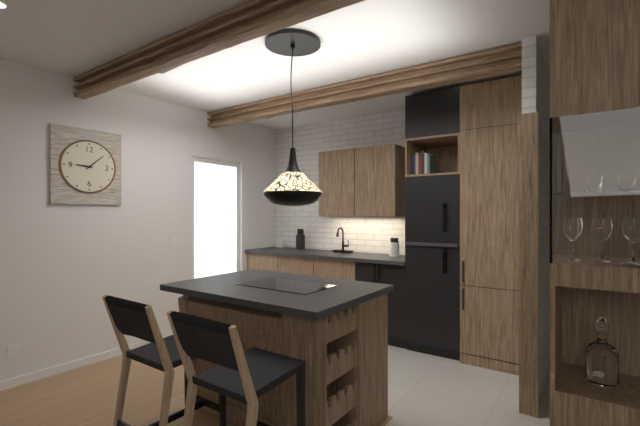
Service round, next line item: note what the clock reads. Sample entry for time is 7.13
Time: 9.08
